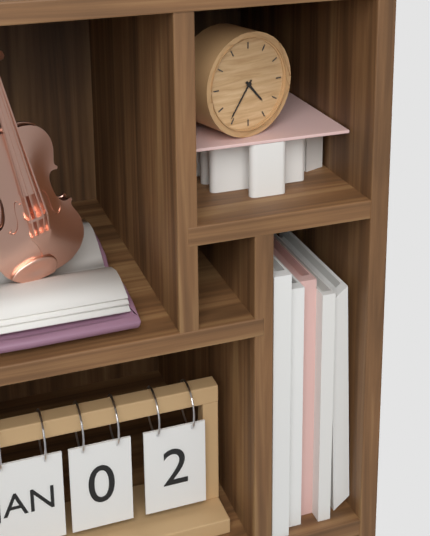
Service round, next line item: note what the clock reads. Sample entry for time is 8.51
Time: 4.36
